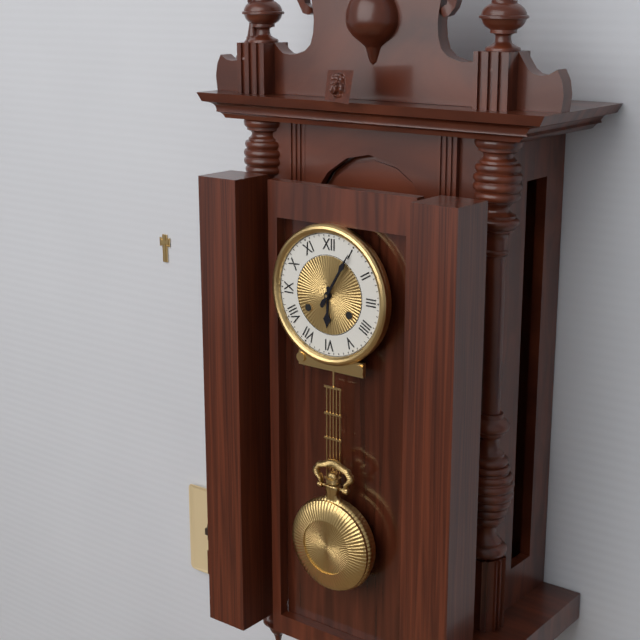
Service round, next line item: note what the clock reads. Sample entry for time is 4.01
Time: 6.05
